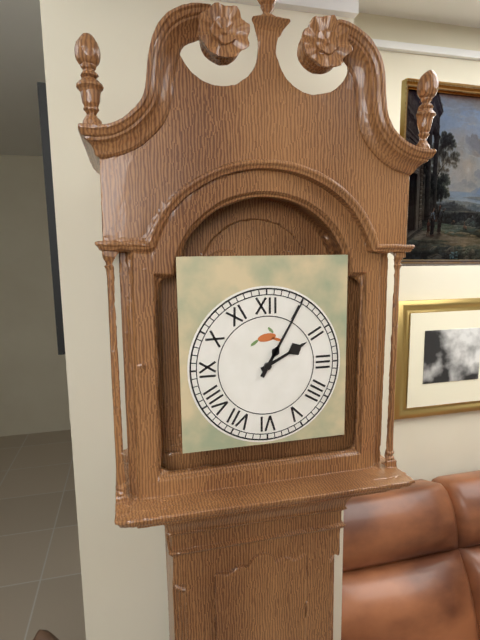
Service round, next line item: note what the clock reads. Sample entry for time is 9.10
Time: 2.05
